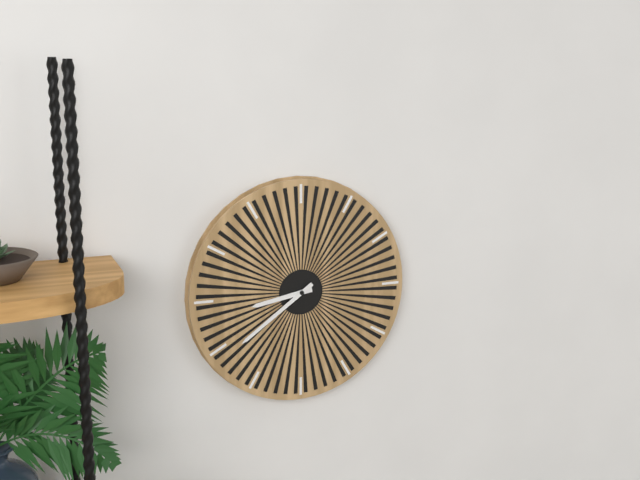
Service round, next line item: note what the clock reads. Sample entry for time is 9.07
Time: 8.39
